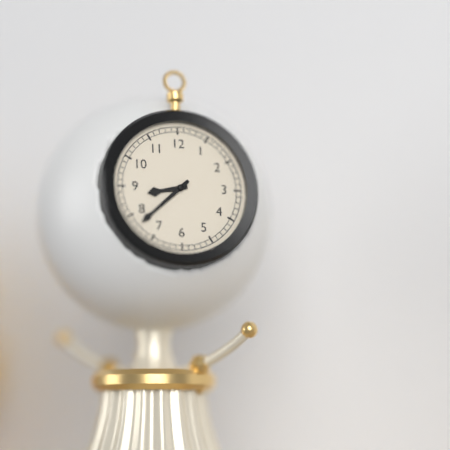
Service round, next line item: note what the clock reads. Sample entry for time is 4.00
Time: 8.38
